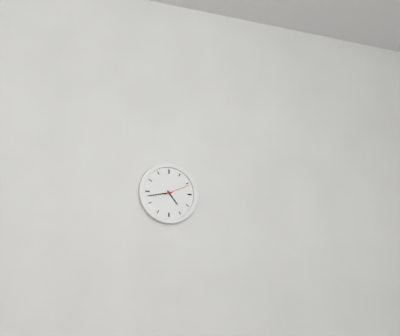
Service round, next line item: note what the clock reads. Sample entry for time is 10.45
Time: 4.43
